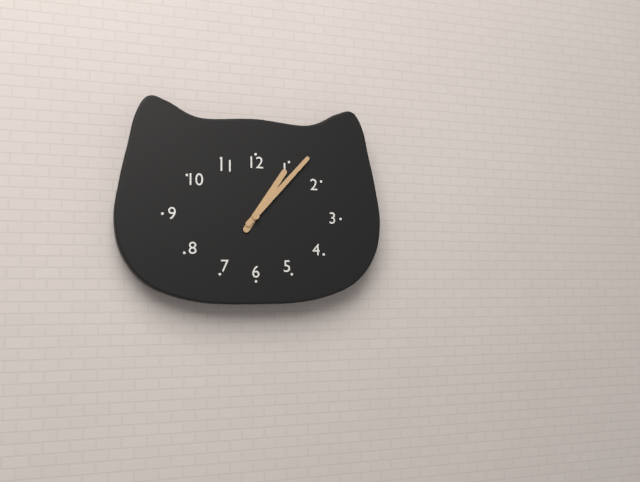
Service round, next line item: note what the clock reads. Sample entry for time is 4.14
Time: 1.07
